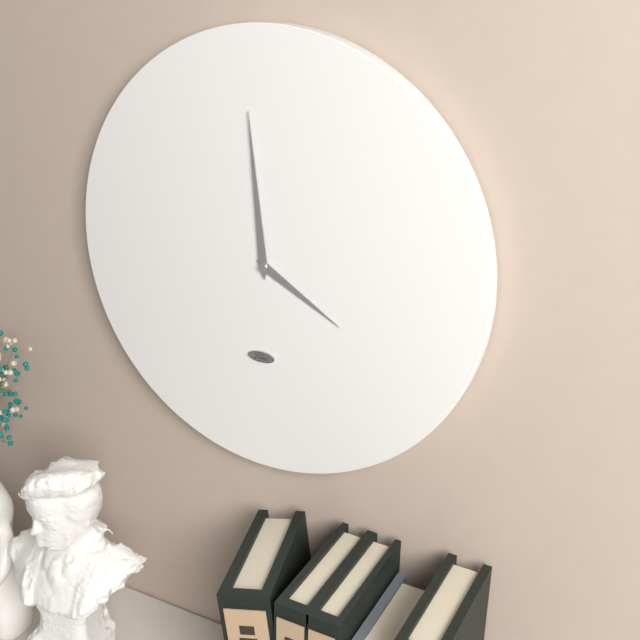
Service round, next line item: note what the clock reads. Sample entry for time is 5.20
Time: 3.59
